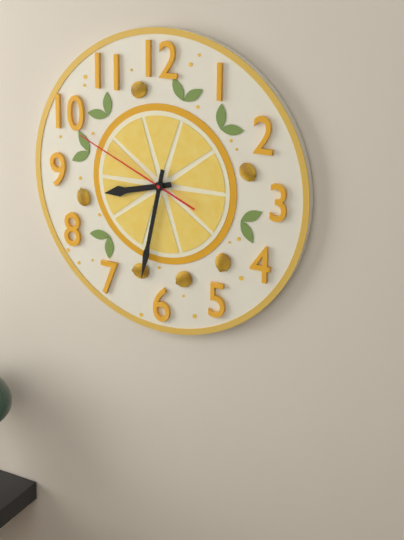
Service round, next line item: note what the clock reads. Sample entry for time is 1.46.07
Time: 8.32.49
